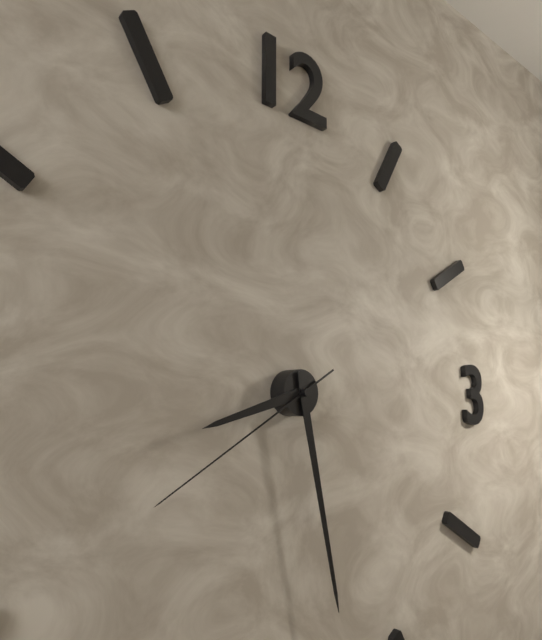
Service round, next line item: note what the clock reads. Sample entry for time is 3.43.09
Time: 8.28.40
